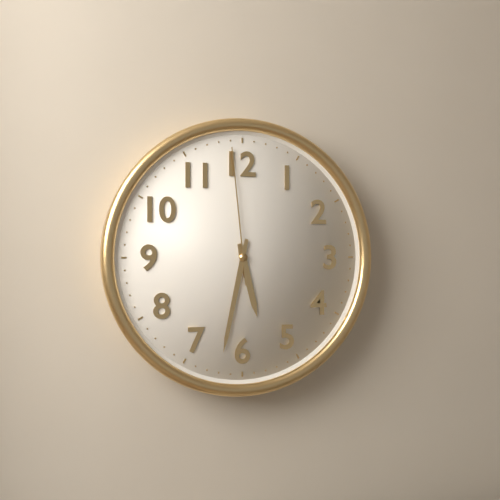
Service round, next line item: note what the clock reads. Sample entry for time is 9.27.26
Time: 5.32.59
